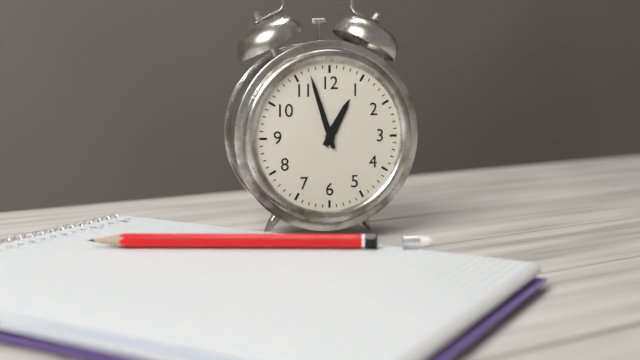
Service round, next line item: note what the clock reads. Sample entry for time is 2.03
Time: 12.57
